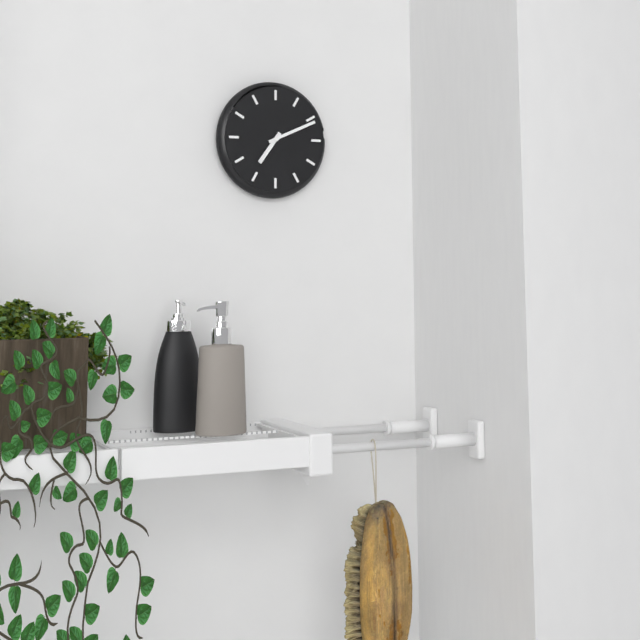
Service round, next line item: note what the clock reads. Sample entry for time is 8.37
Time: 7.11
